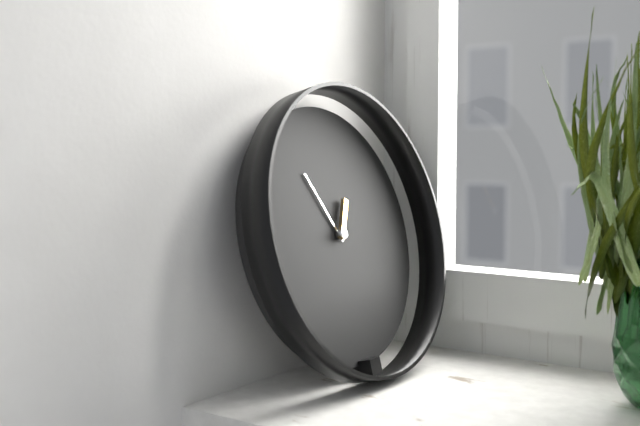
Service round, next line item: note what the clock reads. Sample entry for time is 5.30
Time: 12.55
